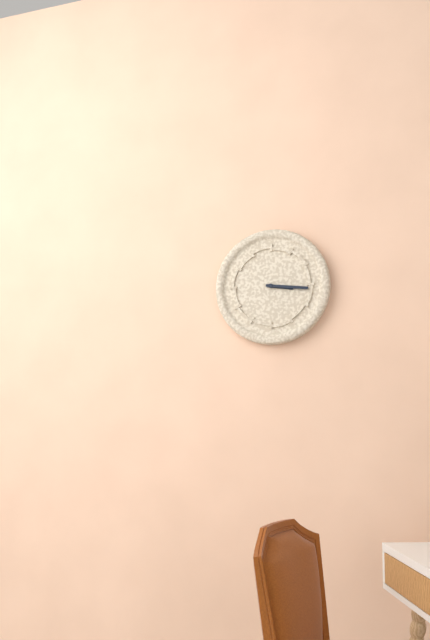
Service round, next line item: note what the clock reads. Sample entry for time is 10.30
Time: 3.16
